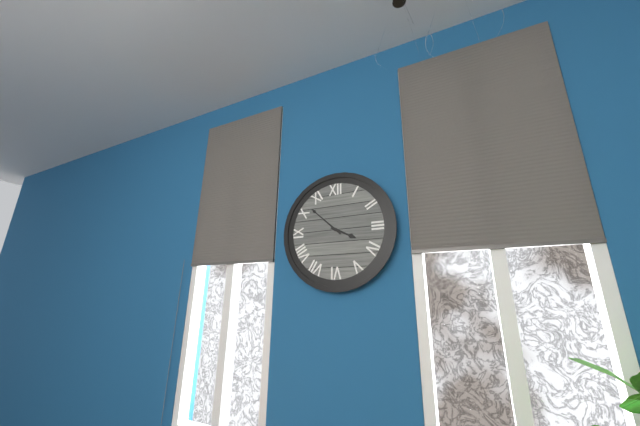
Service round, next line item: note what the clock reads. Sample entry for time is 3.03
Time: 3.52
